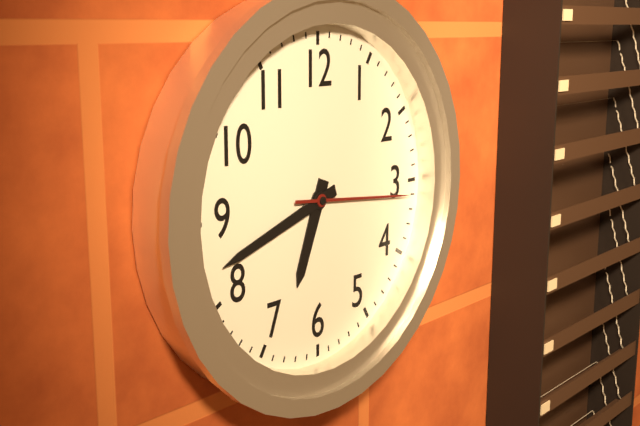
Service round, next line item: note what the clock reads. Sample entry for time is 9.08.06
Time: 6.42.16
